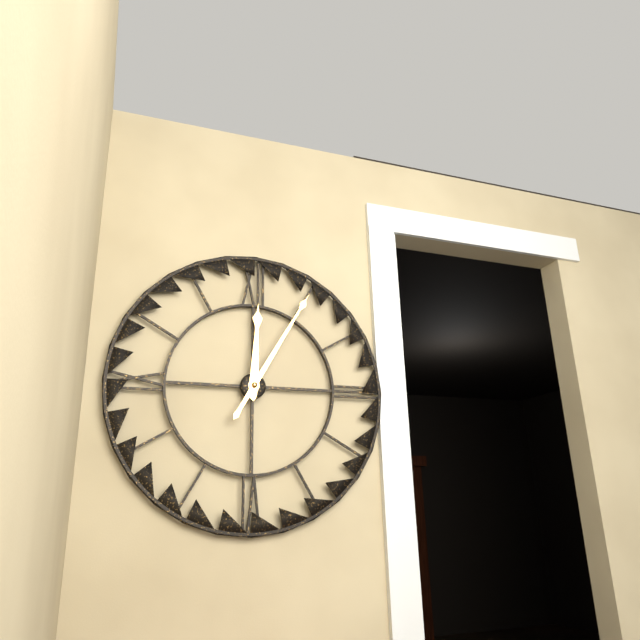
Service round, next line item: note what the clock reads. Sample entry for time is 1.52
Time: 12.05
